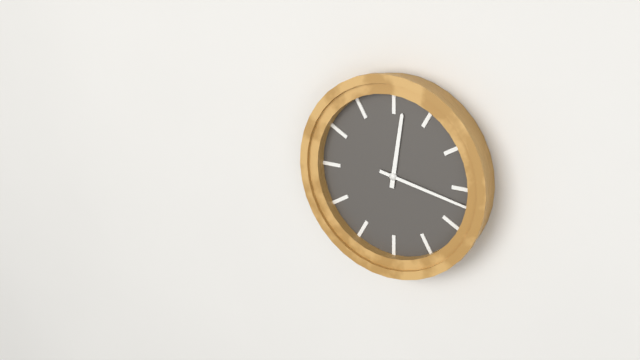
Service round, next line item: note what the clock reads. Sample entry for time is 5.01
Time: 12.17
